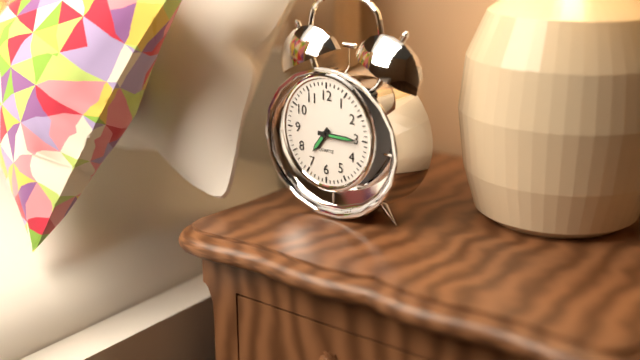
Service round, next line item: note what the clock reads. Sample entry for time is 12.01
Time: 7.15
